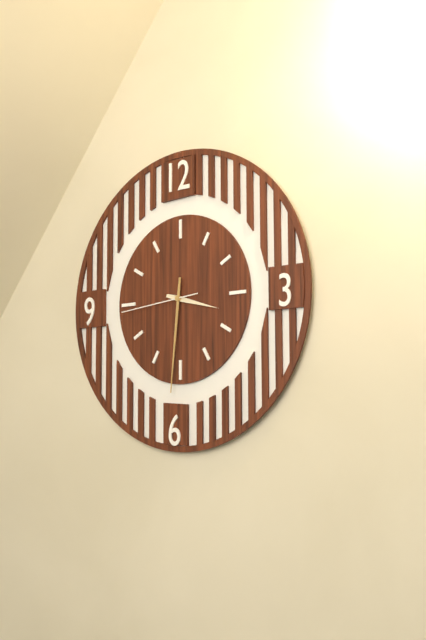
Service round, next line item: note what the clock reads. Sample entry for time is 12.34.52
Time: 3.31.44
